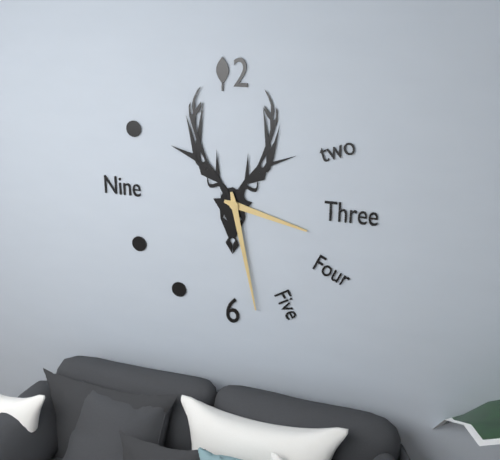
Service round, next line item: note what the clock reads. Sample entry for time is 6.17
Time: 3.28
